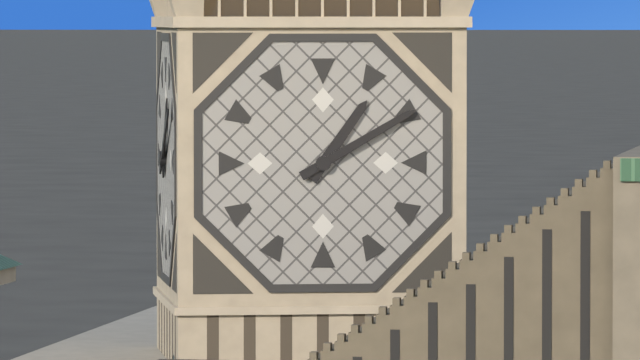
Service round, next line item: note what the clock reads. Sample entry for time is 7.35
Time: 1.10
